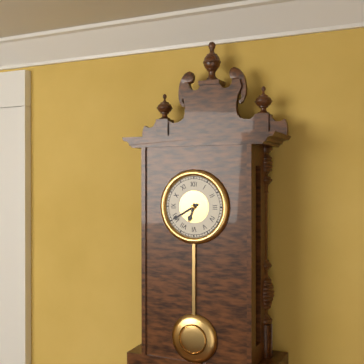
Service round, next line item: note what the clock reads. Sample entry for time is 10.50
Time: 6.40
